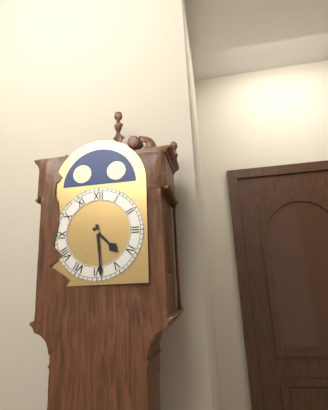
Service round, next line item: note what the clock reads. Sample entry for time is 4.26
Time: 4.29
